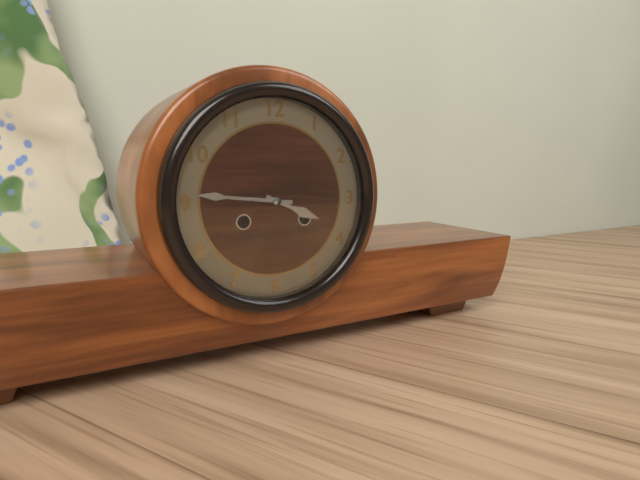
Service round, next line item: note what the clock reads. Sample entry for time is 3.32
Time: 3.46
